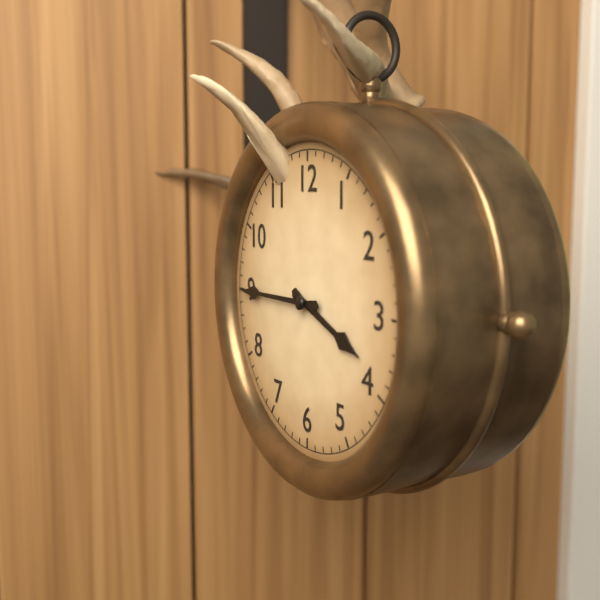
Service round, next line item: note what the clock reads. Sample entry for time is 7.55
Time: 3.45
